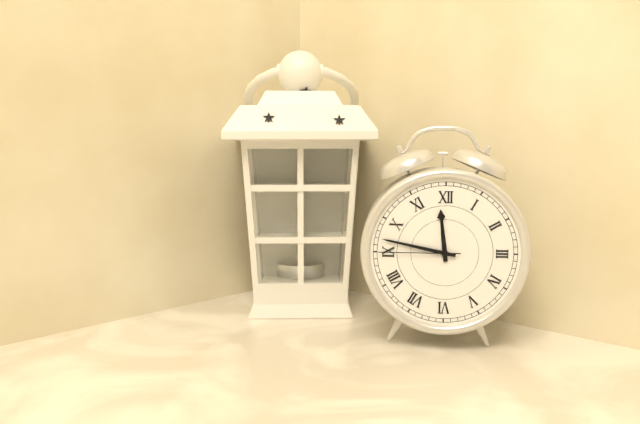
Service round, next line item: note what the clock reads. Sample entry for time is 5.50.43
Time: 11.47.45
